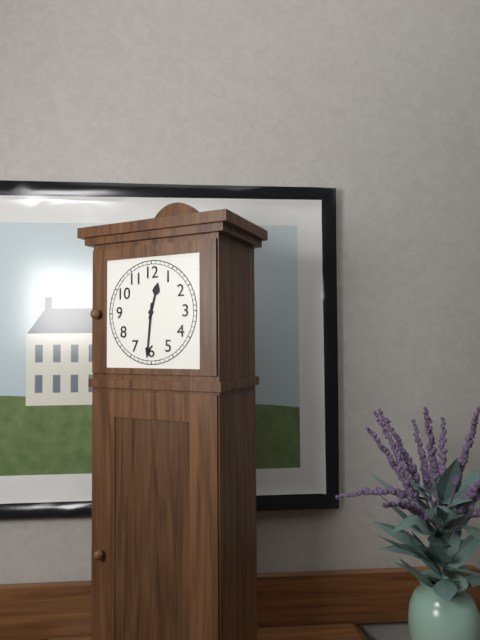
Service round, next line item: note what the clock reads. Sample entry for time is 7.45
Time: 12.31
